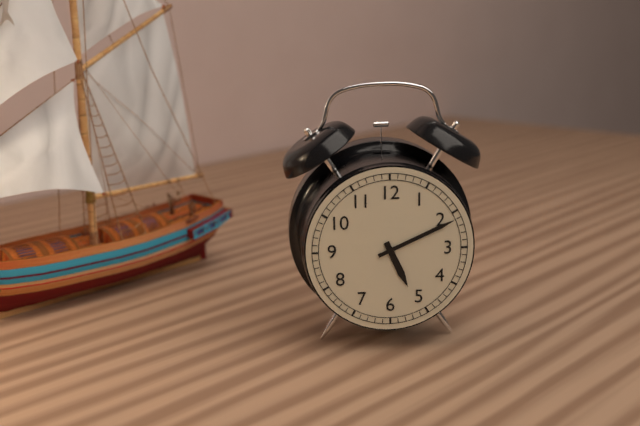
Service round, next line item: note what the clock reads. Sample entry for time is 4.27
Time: 5.11
